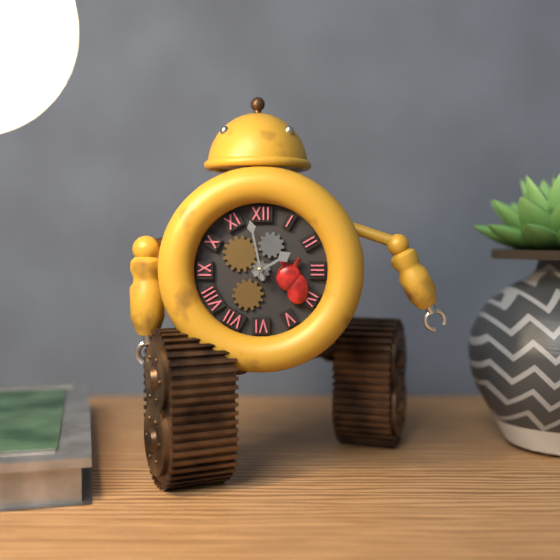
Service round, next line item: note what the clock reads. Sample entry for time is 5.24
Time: 1.58
